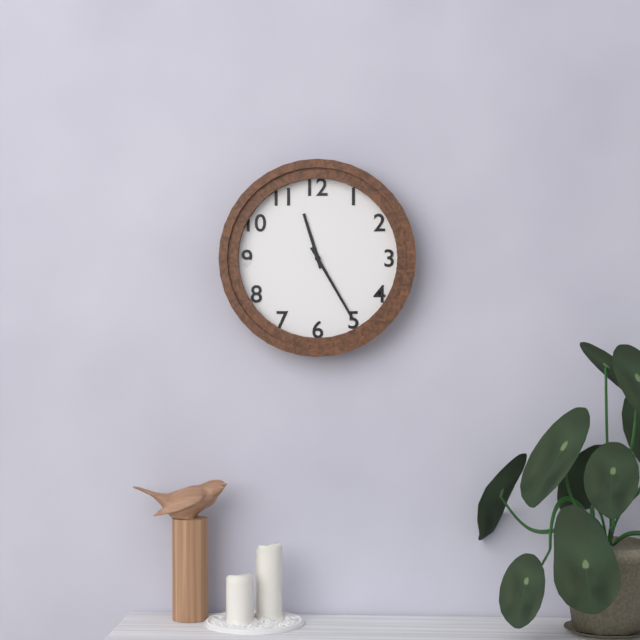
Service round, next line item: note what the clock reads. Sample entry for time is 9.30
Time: 11.25
